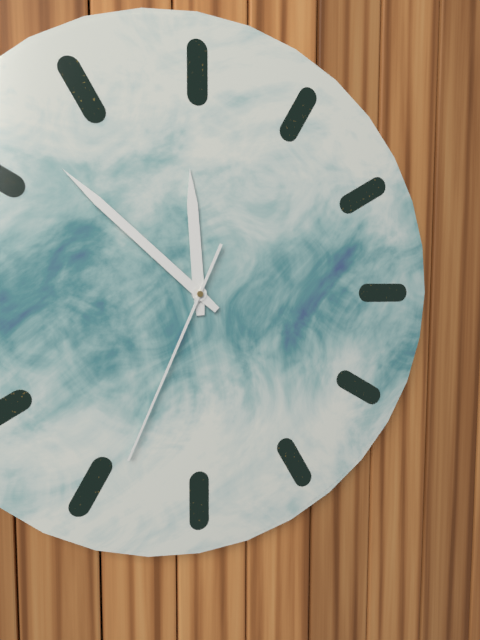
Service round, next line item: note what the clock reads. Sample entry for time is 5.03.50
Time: 11.52.34
